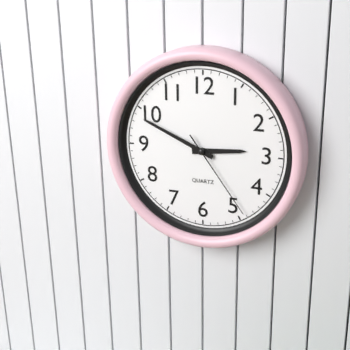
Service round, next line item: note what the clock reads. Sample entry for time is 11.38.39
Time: 2.49.24
